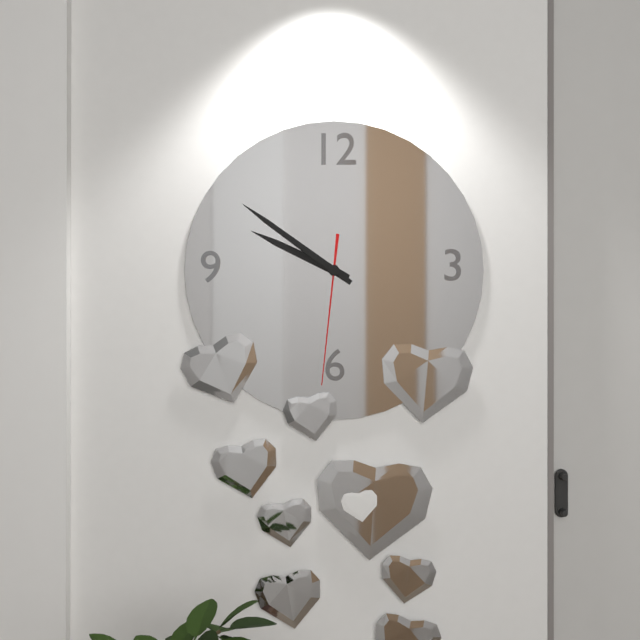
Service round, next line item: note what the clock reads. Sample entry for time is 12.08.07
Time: 9.51.31
